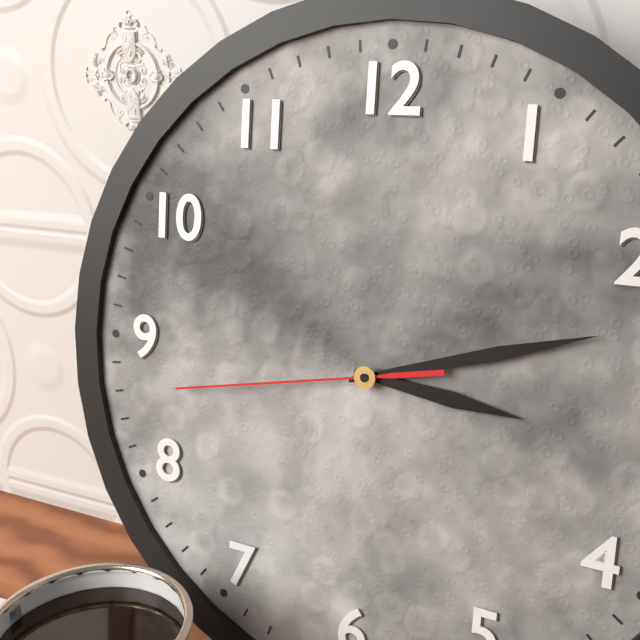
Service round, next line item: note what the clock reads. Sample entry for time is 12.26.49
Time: 3.12.43
